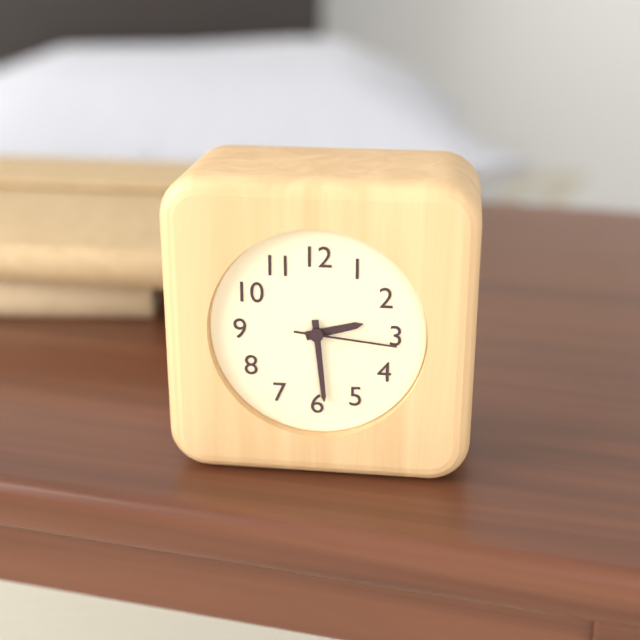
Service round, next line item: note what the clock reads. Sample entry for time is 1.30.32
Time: 2.29.16
